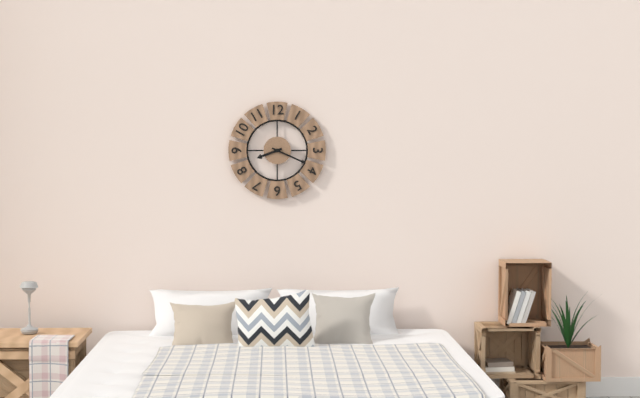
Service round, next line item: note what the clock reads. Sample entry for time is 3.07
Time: 8.19
